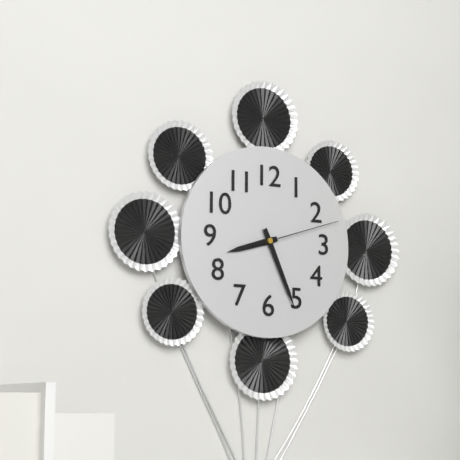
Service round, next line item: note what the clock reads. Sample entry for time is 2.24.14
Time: 8.26.12
